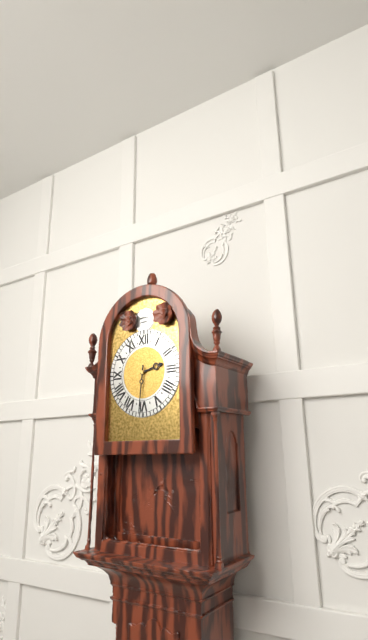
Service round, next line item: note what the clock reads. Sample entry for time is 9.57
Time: 2.31
